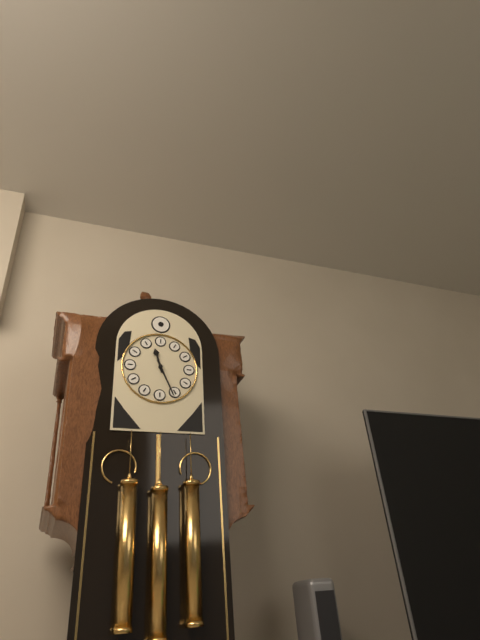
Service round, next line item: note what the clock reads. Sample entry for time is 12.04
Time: 11.26
